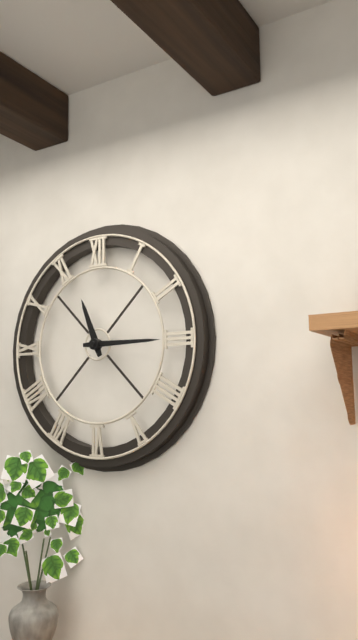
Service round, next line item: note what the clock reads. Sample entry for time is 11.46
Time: 11.15
